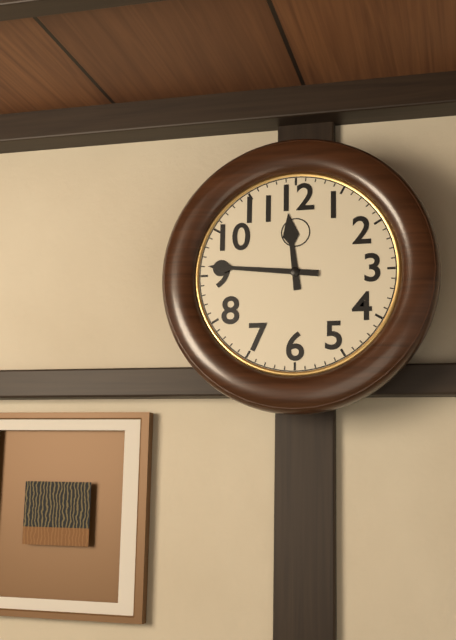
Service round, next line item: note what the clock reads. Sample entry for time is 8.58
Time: 11.46
